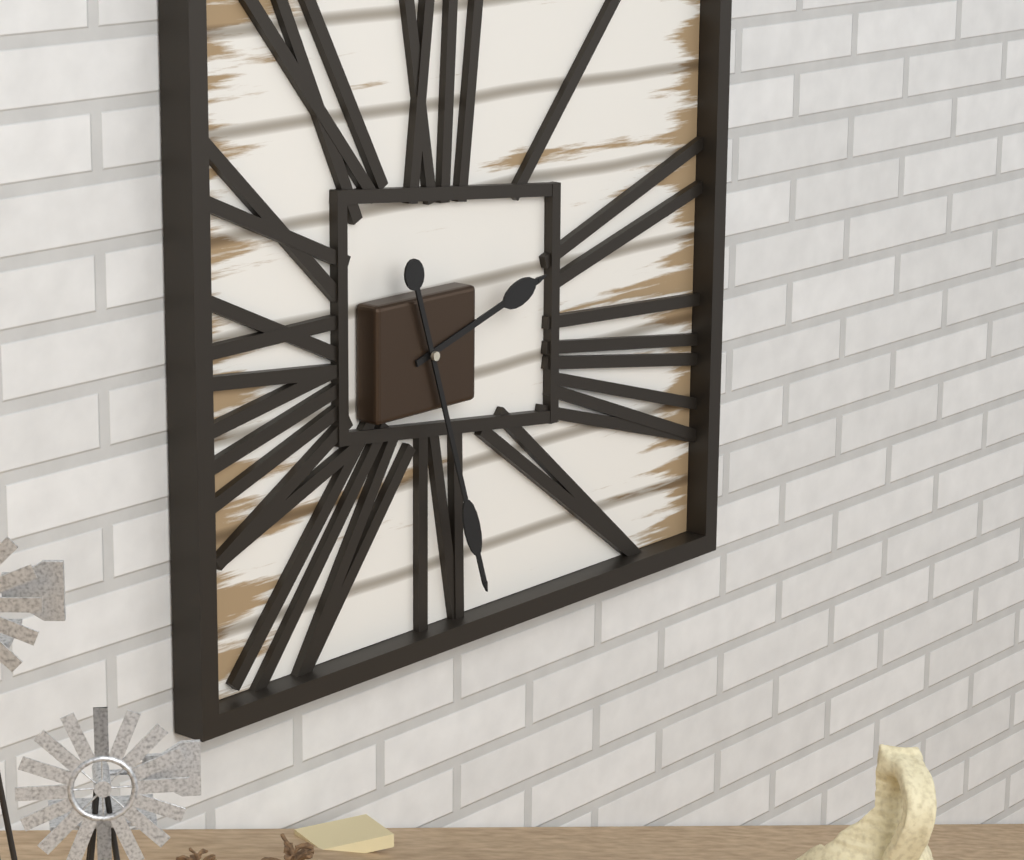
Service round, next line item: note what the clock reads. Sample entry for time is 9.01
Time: 2.27
